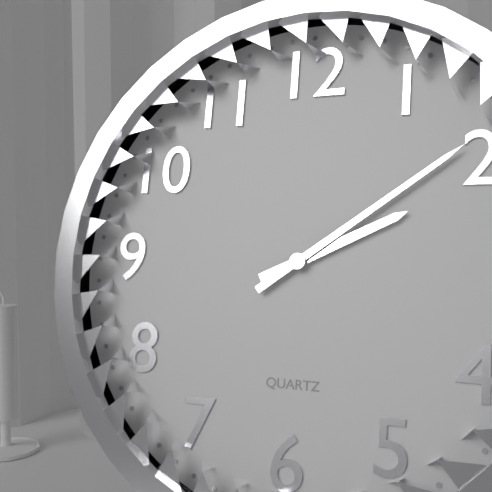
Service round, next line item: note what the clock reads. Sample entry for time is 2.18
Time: 2.09
